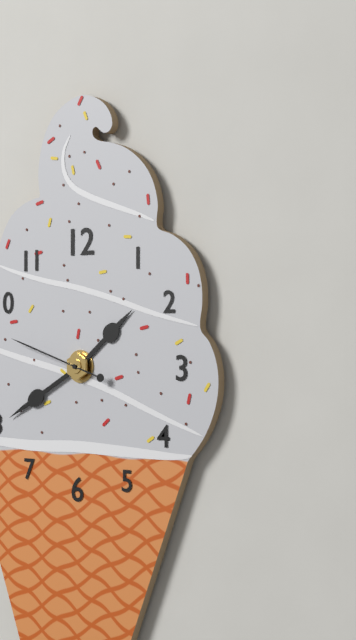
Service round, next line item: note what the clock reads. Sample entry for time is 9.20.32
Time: 1.40.48
